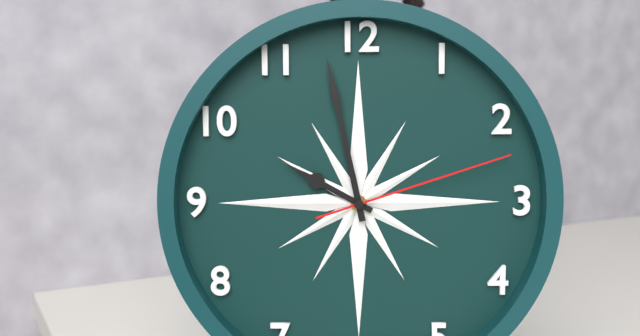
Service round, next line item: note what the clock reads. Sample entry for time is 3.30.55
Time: 9.58.12
